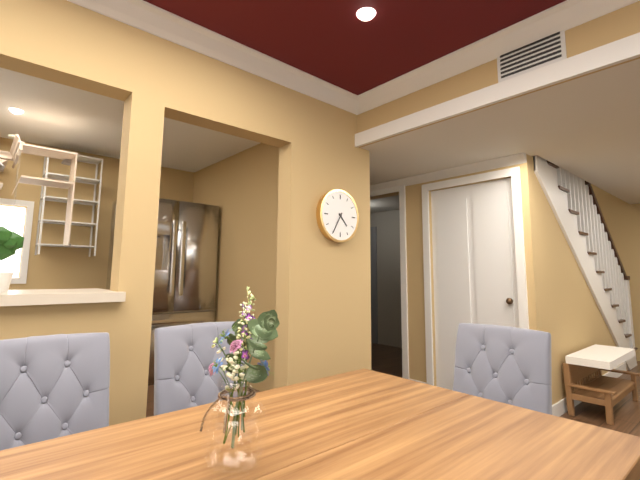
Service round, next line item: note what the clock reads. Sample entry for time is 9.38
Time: 4.35
